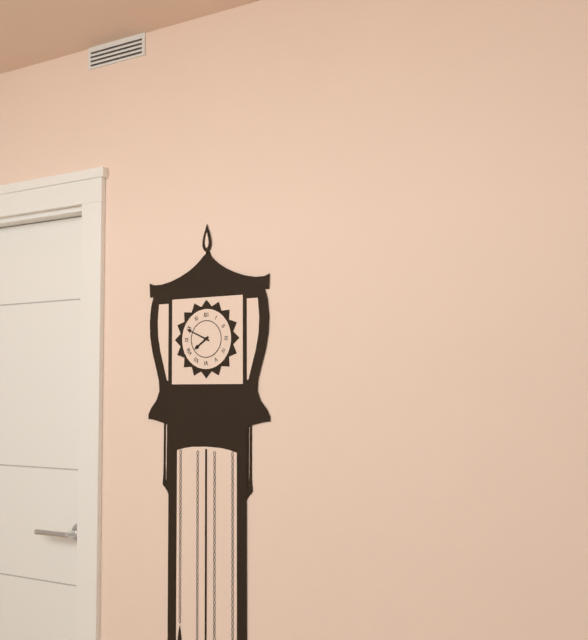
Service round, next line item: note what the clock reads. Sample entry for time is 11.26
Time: 7.49
